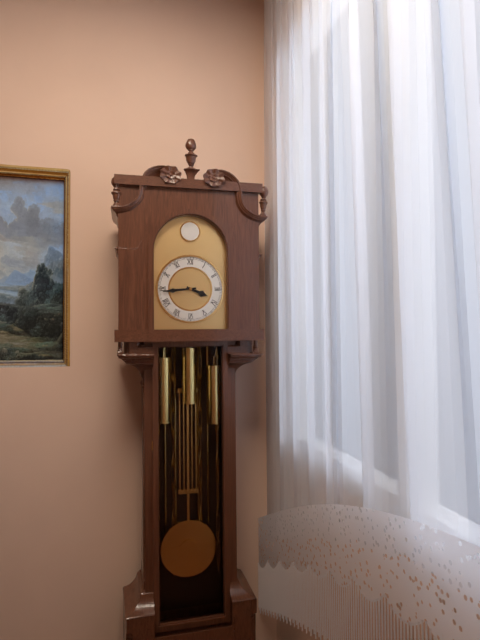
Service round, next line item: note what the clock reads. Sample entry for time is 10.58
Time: 3.44
